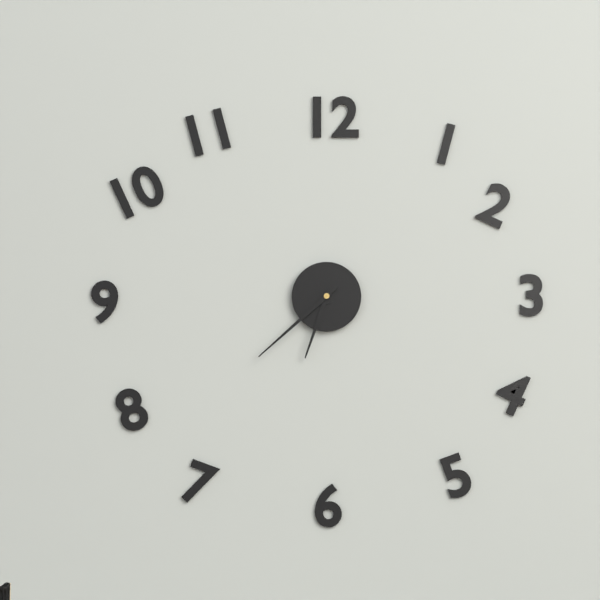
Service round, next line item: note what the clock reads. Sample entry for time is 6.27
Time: 6.38
